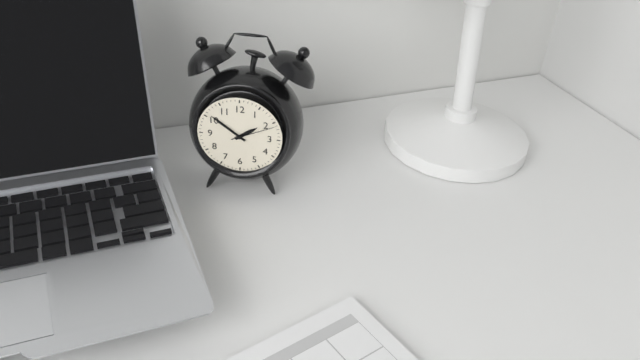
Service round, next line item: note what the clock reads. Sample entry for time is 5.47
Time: 1.51
